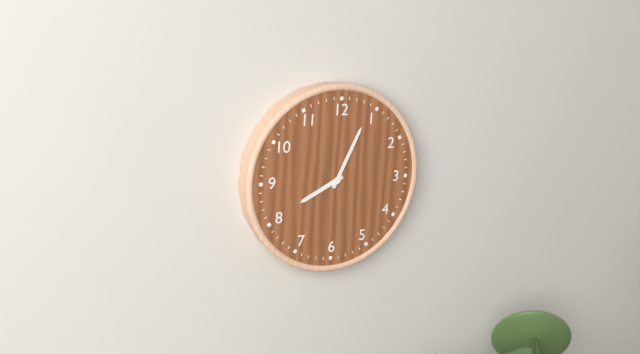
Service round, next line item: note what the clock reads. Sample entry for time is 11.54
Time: 8.04
